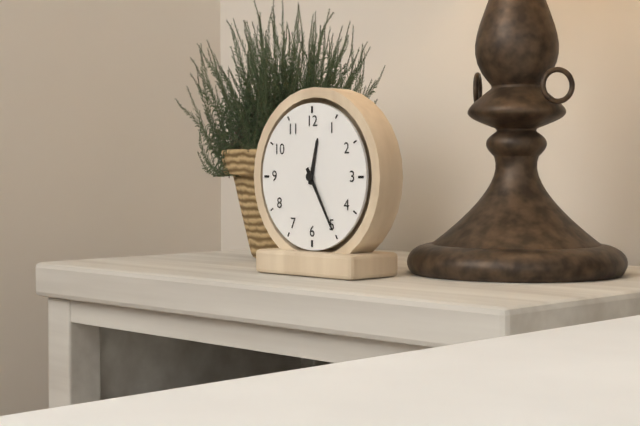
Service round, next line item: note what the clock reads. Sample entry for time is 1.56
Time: 12.25
